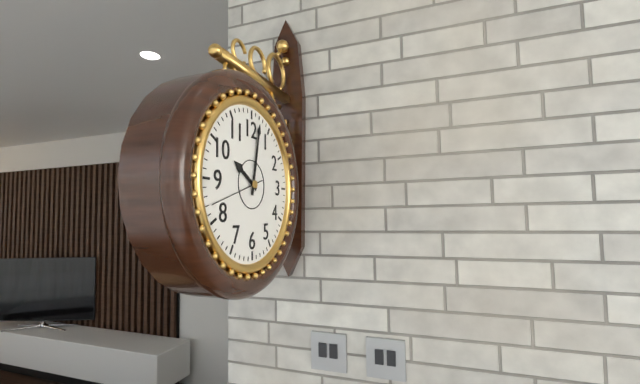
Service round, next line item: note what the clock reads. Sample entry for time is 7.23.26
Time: 10.02.42
